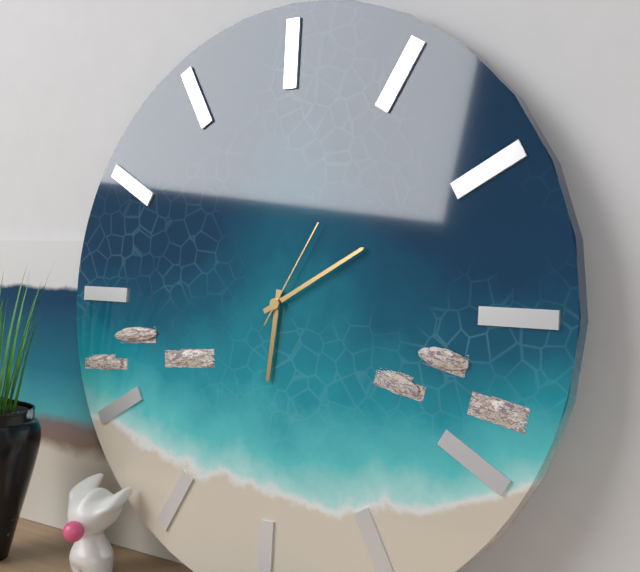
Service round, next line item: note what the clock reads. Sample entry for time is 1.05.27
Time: 6.10.05
